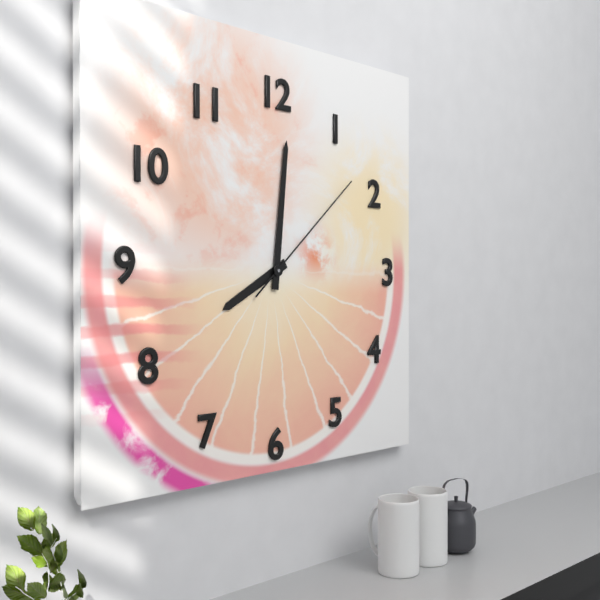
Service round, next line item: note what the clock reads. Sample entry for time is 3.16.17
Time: 8.01.08
